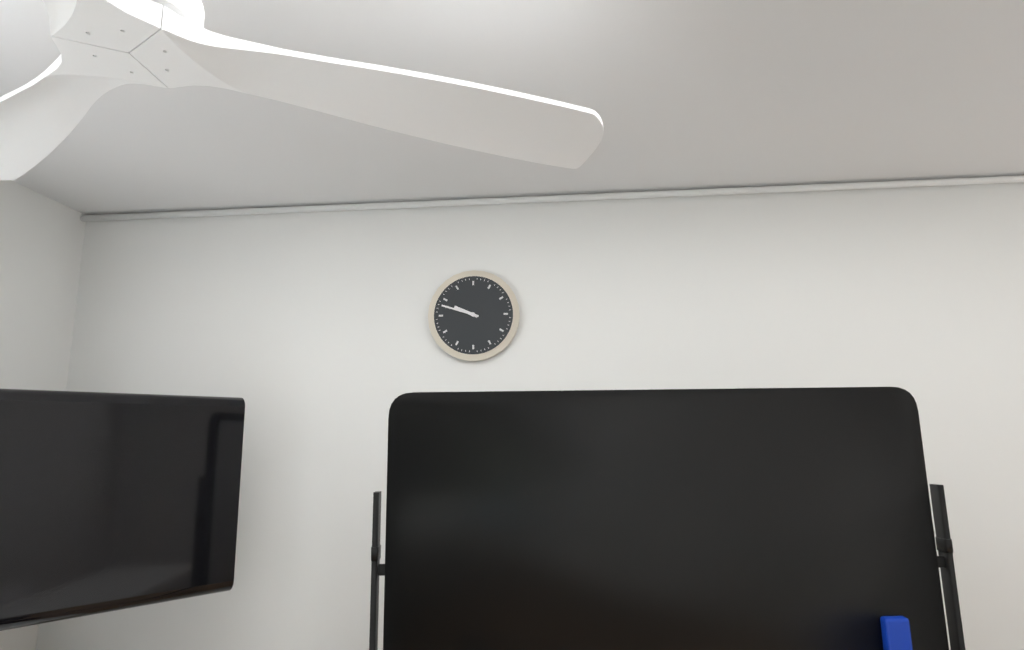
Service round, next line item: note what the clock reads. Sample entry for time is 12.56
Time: 9.48
